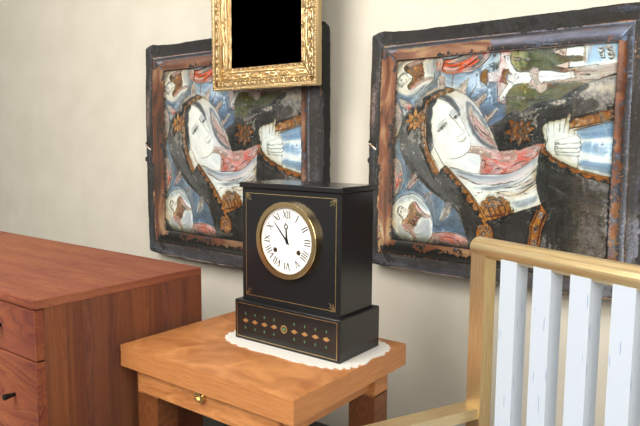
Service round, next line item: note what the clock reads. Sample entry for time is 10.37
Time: 11.53
